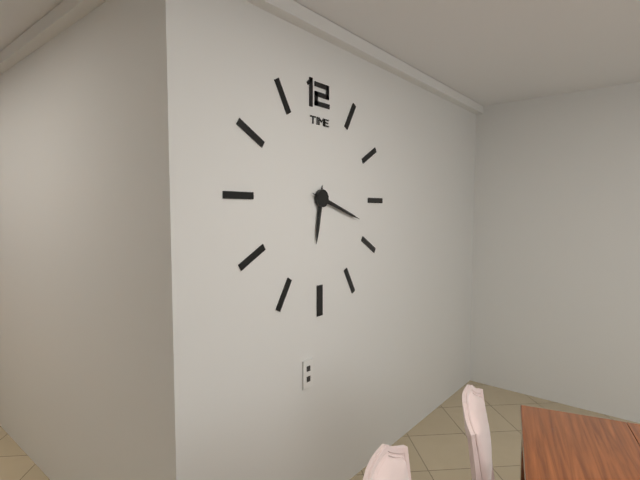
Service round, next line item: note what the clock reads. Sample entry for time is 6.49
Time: 6.18
